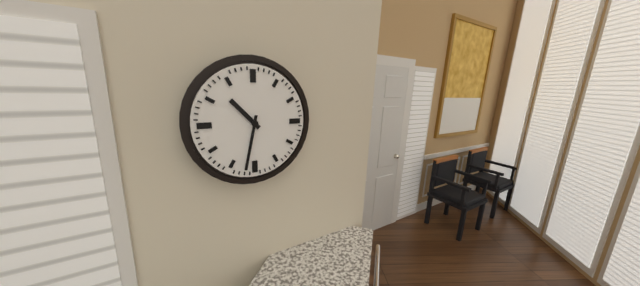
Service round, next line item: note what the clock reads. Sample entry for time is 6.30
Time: 10.32
